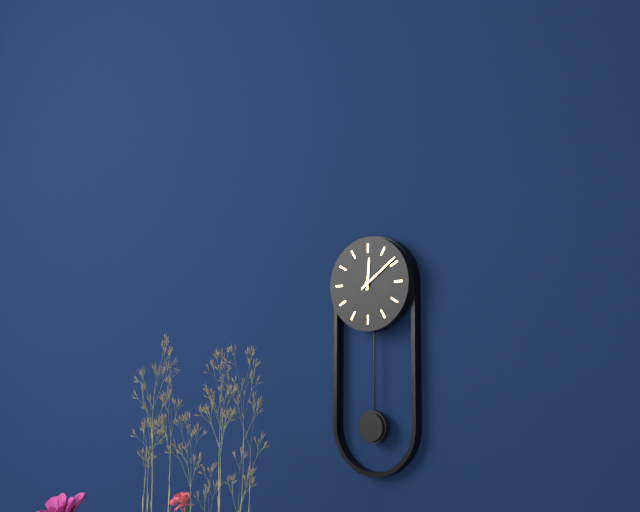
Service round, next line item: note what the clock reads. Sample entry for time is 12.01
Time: 12.09
